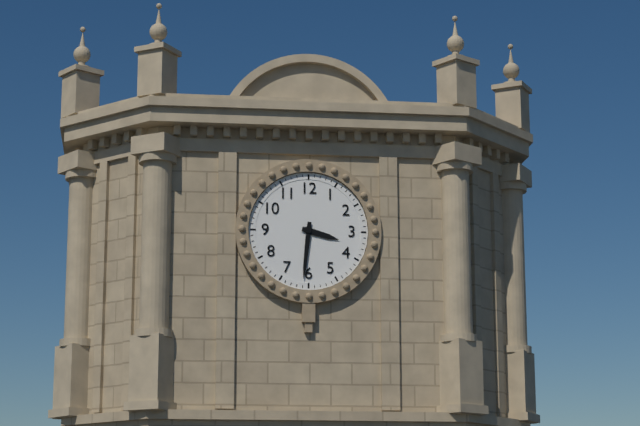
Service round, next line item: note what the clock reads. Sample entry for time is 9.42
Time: 3.31
